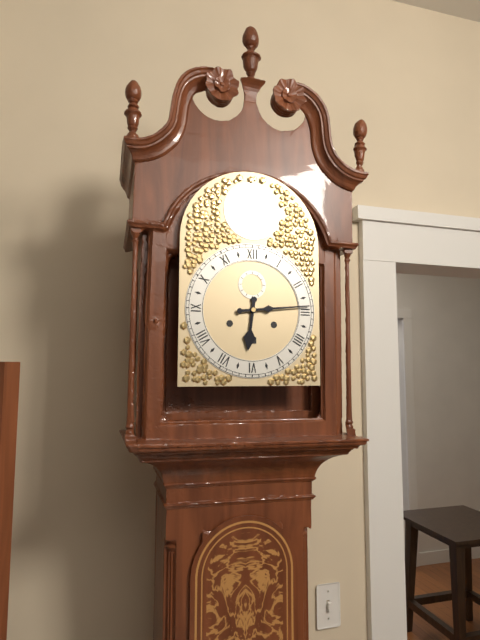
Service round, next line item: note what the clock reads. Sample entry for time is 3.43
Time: 6.14
